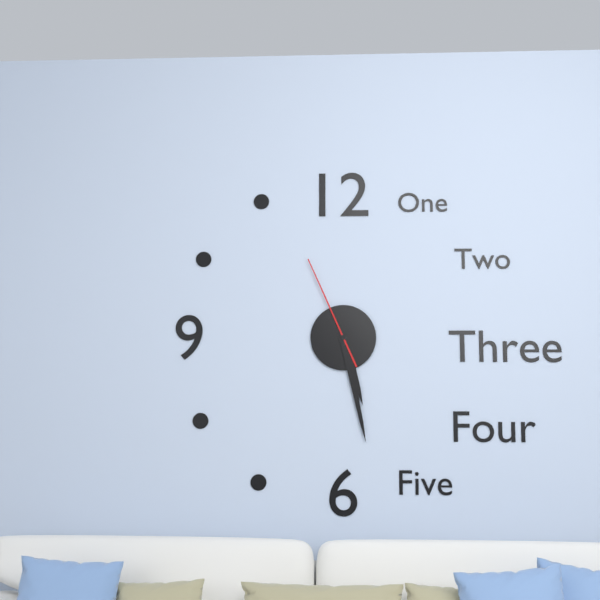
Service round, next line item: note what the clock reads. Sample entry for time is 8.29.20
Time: 5.28.56
